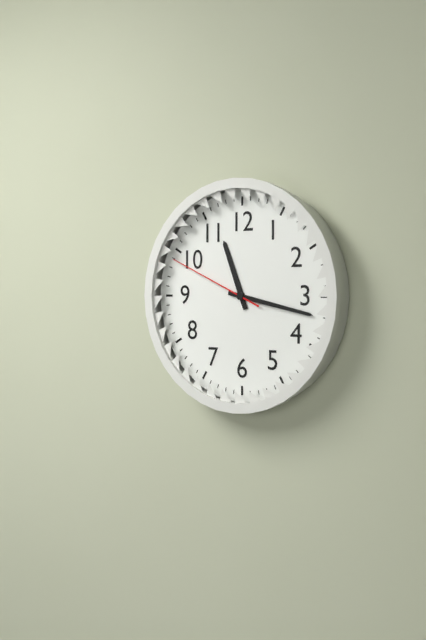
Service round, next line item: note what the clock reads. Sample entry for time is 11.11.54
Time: 11.17.49
